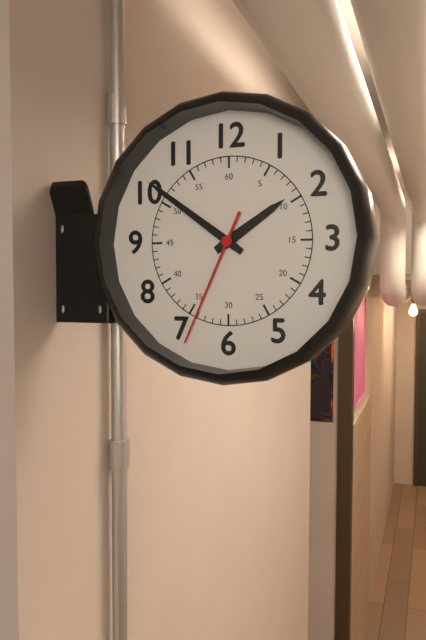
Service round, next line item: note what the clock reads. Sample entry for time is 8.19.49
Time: 1.51.34
